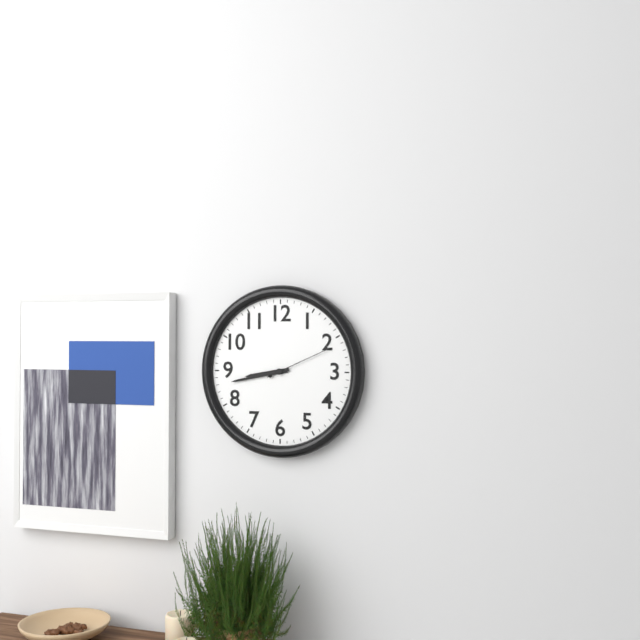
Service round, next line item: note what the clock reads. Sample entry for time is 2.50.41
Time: 8.43.11
